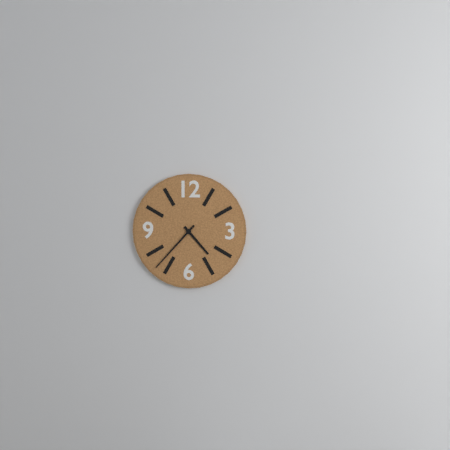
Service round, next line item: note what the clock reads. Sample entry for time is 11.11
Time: 4.37
